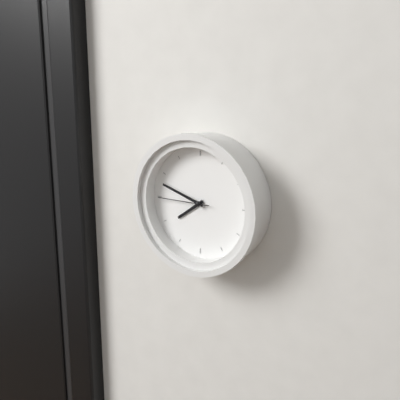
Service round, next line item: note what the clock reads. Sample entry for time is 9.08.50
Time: 7.48.45
